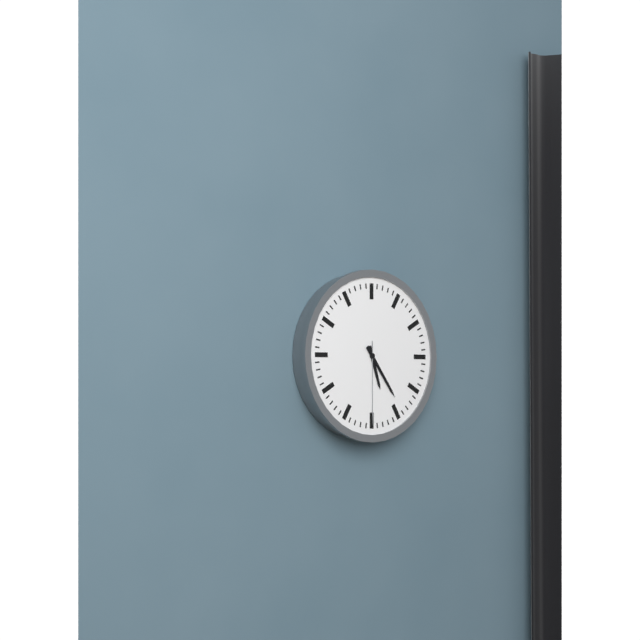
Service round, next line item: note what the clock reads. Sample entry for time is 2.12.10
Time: 5.24.30
